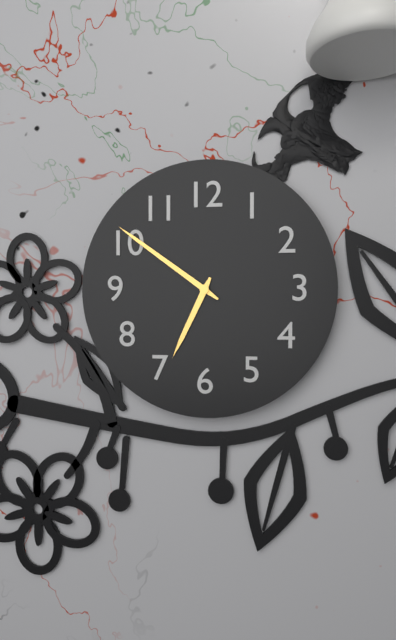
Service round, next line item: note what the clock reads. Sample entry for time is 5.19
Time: 6.51
